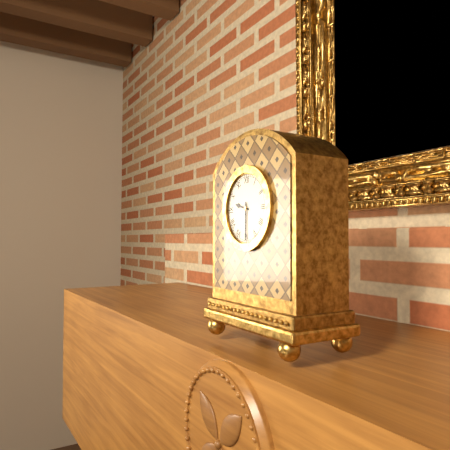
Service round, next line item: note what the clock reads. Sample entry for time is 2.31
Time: 9.30
